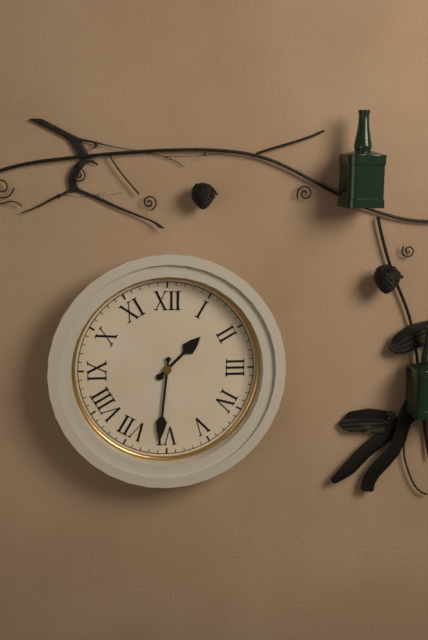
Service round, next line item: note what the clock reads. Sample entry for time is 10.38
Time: 1.31
